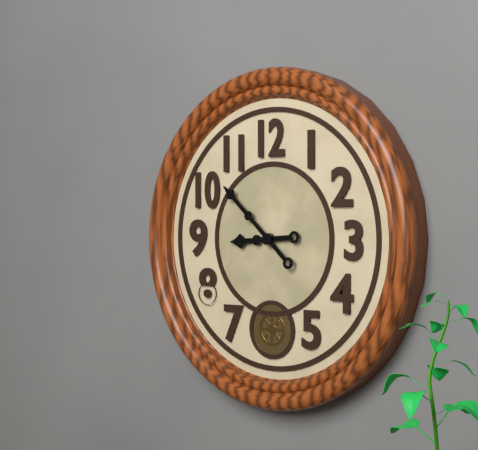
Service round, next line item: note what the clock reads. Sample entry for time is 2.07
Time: 8.52
